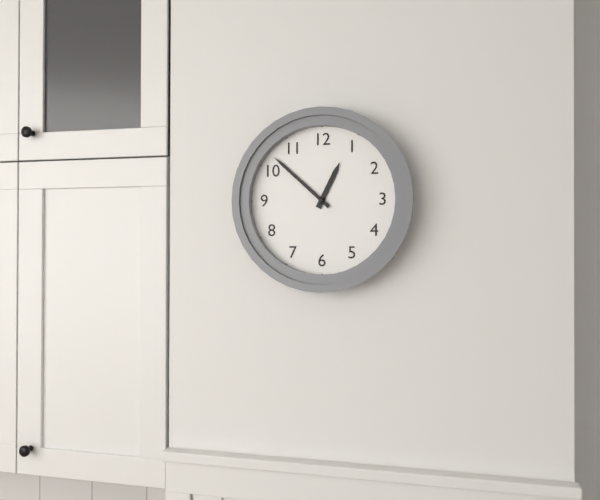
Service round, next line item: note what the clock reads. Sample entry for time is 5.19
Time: 12.52
